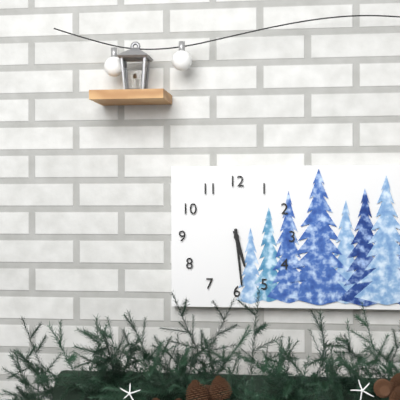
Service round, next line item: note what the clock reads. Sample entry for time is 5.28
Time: 5.29
